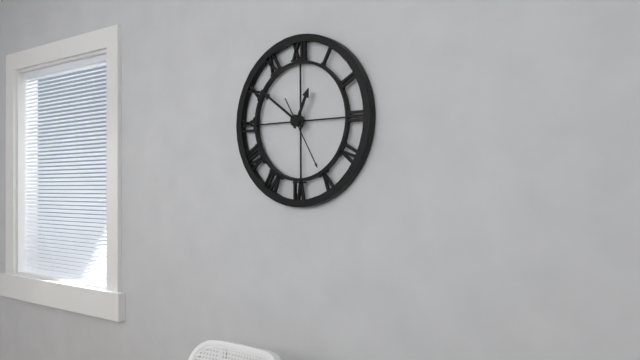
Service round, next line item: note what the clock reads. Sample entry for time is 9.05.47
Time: 12.51.25
